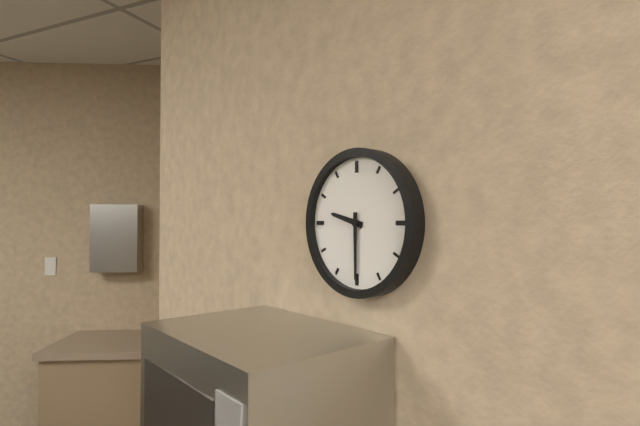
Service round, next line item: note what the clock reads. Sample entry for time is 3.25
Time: 9.30
